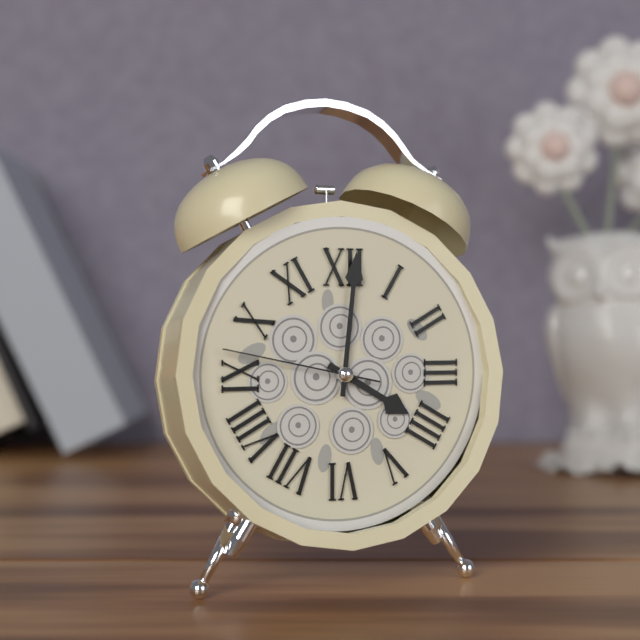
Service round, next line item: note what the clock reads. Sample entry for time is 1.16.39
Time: 4.01.47
